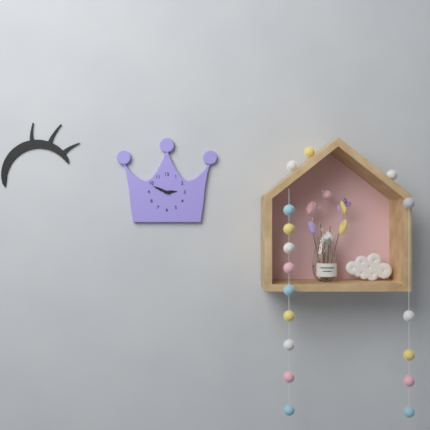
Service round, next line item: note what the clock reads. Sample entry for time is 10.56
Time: 2.49
